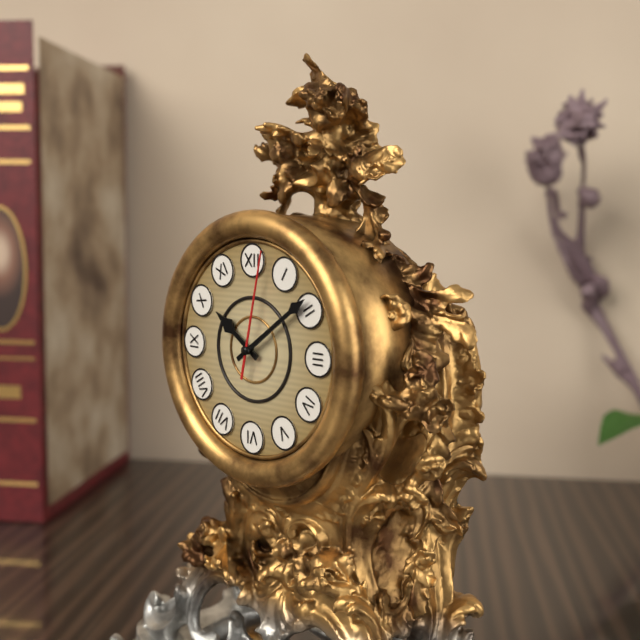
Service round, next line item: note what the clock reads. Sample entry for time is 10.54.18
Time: 10.09.02
